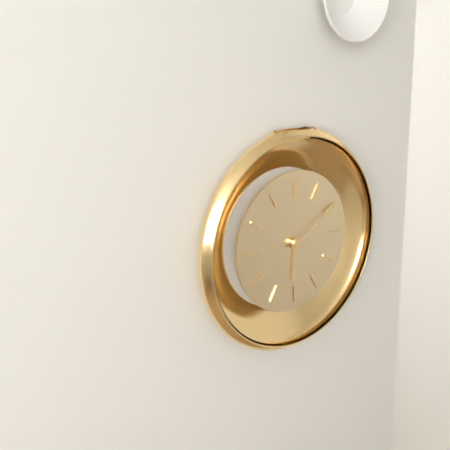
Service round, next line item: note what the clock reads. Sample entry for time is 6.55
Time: 6.10
